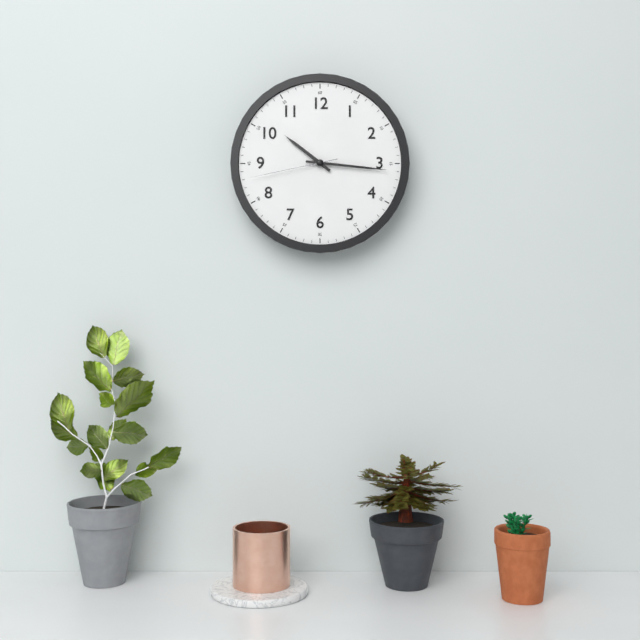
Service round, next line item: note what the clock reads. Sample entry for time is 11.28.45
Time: 10.16.43
